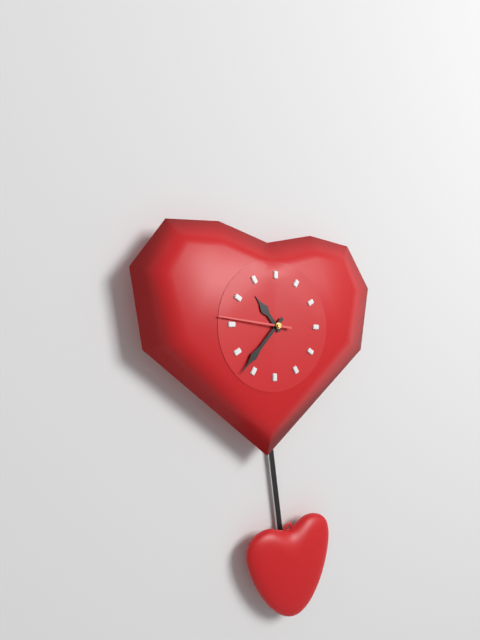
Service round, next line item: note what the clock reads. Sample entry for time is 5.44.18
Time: 10.37.46
